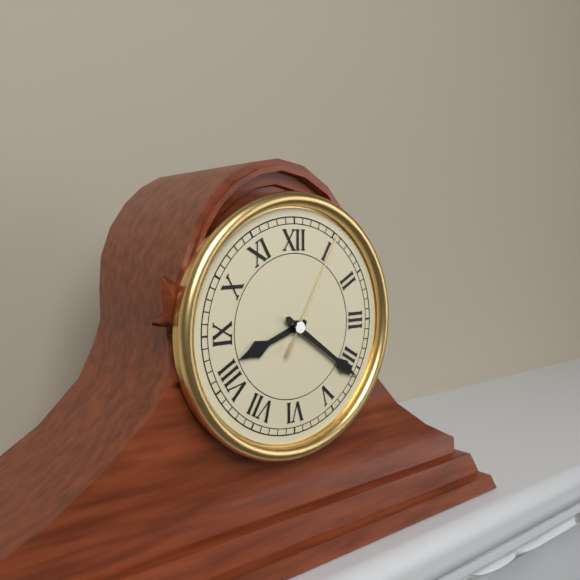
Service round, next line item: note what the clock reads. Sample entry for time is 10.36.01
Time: 8.21.05
